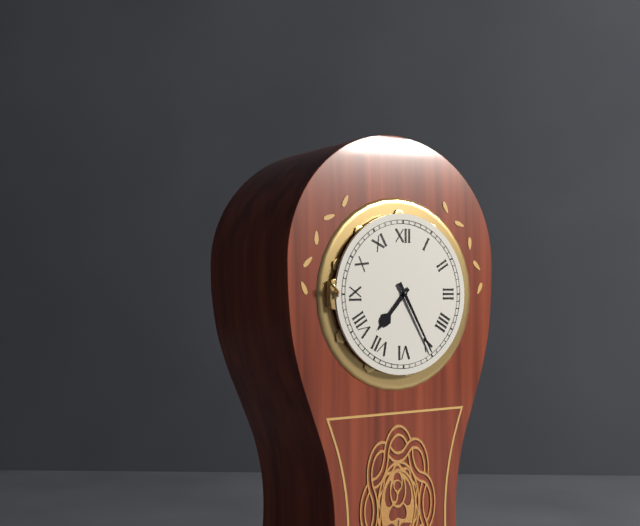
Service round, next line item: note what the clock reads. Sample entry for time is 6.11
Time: 7.25
